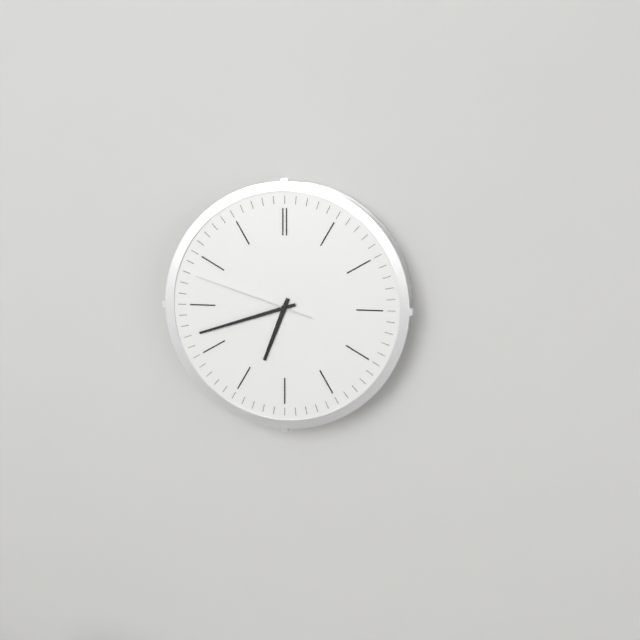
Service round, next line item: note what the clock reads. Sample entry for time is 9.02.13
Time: 6.42.48
